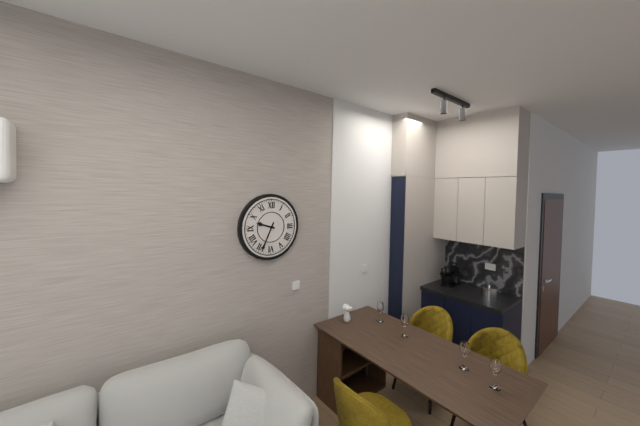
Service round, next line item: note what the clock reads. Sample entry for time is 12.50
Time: 9.34
